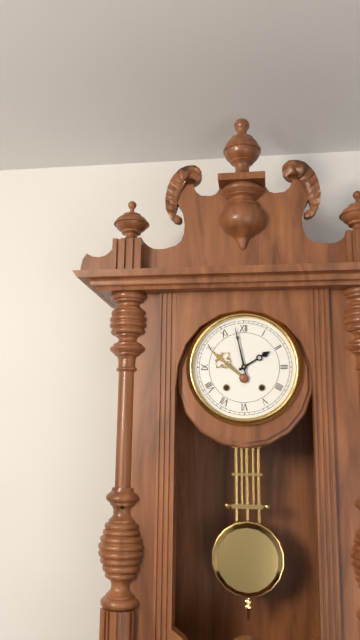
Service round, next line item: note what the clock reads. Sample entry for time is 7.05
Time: 1.58
